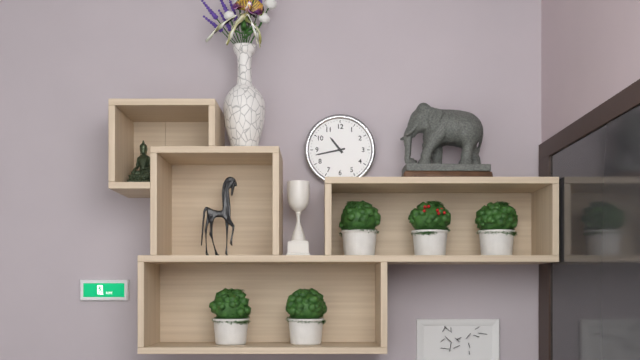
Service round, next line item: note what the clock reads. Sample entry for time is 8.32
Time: 10.43
